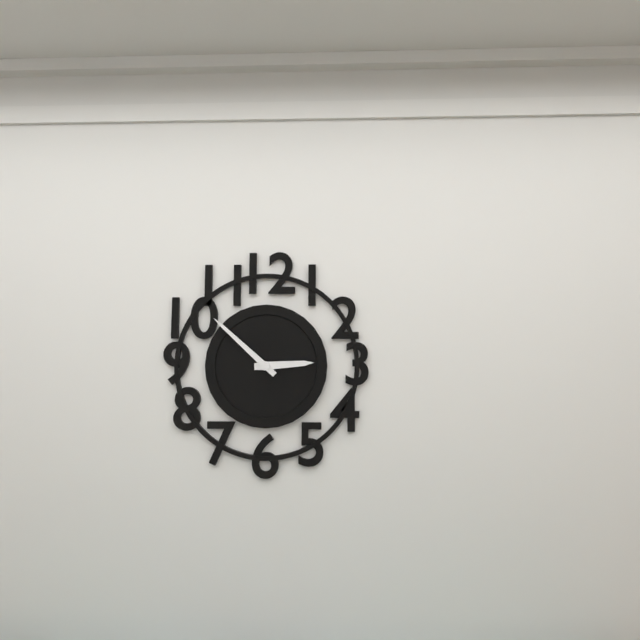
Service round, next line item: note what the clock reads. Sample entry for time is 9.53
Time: 2.52
